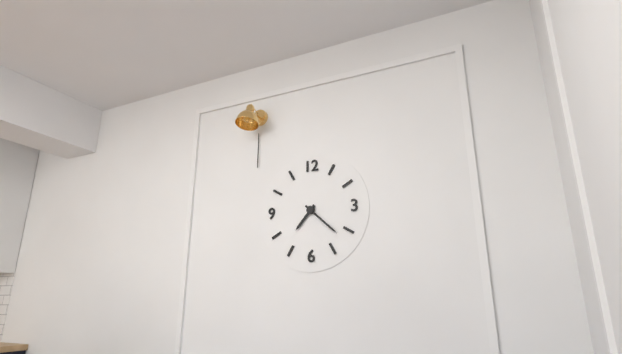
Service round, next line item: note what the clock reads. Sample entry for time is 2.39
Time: 7.22
